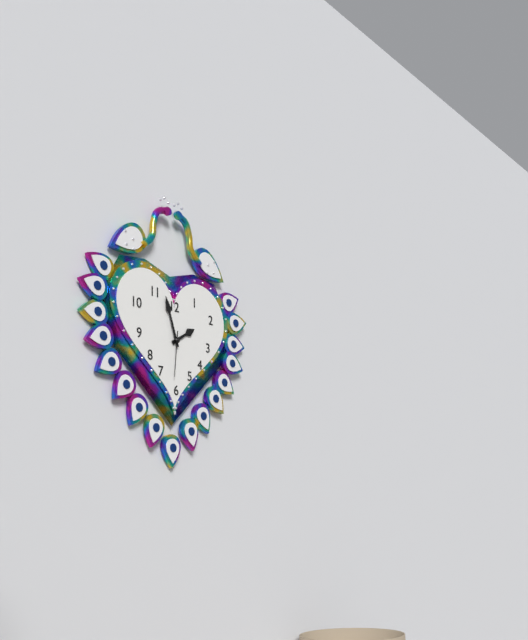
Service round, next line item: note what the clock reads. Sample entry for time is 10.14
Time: 1.57
